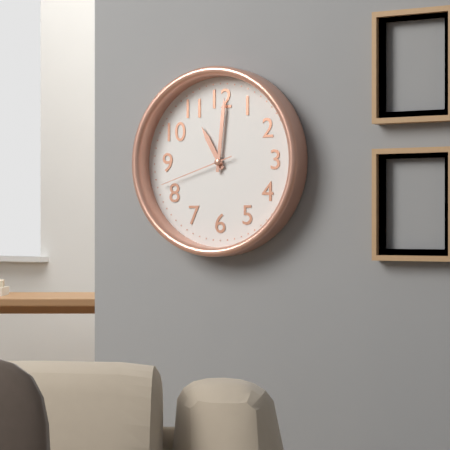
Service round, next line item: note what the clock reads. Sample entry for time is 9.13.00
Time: 11.01.42
